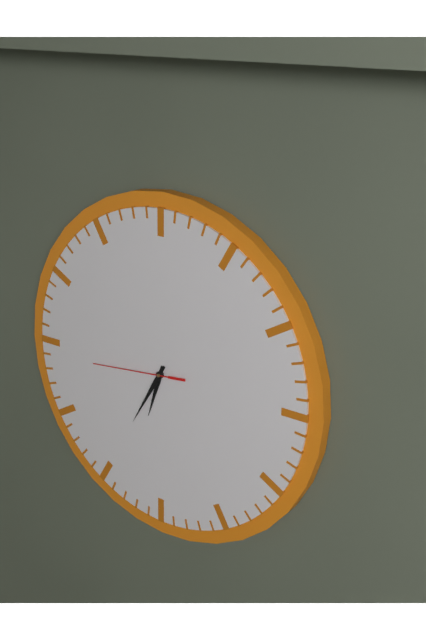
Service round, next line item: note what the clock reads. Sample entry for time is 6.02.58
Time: 6.35.44
